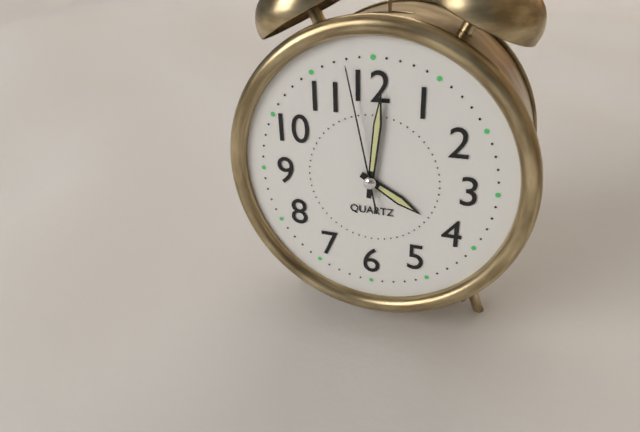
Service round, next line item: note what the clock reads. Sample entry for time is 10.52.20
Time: 4.01.58
